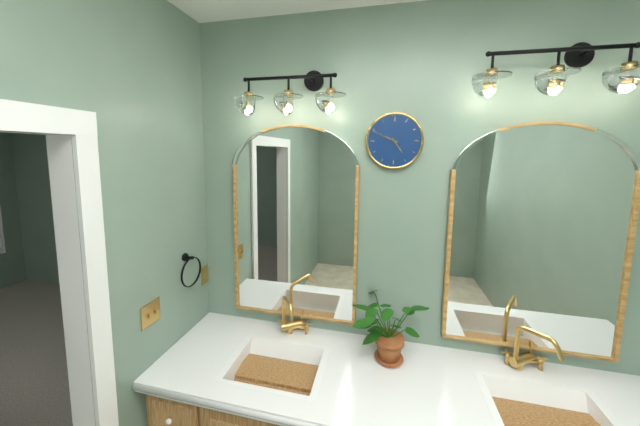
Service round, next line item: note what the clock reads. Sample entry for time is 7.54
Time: 4.49
